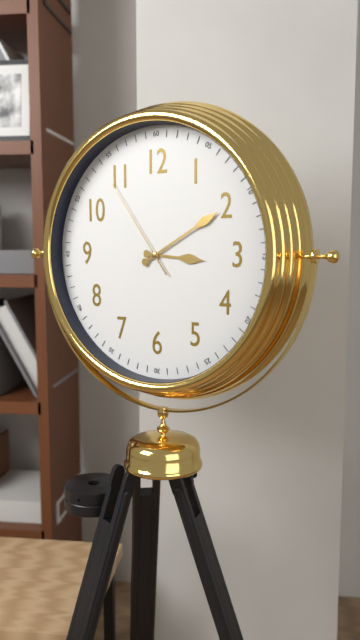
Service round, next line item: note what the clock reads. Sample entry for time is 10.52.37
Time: 3.10.54
